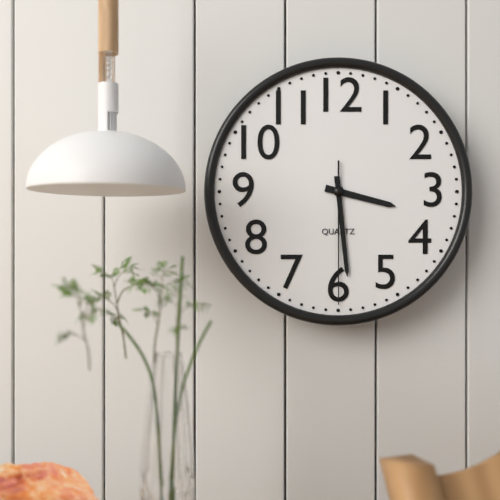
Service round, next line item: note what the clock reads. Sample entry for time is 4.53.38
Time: 3.29.30
